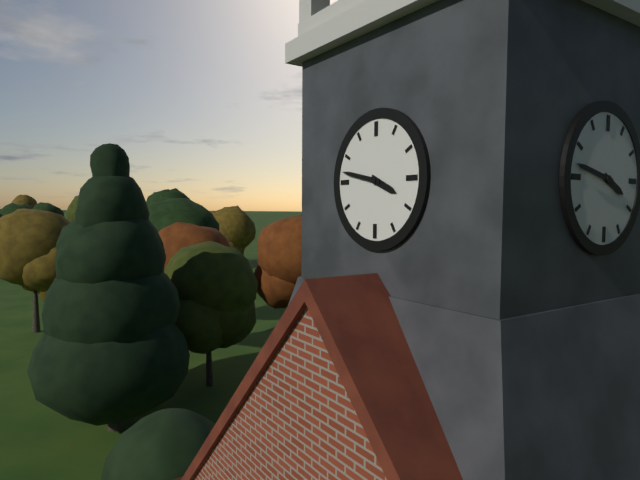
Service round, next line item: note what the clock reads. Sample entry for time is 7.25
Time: 3.47
